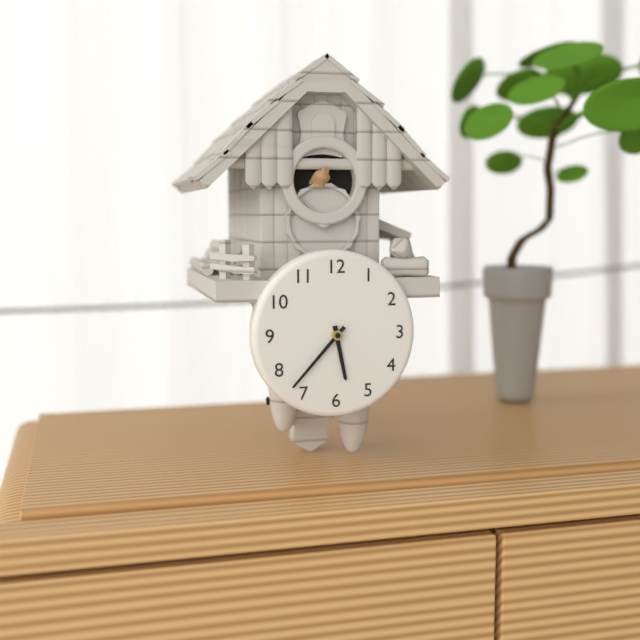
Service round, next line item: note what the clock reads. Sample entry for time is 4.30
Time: 5.37
